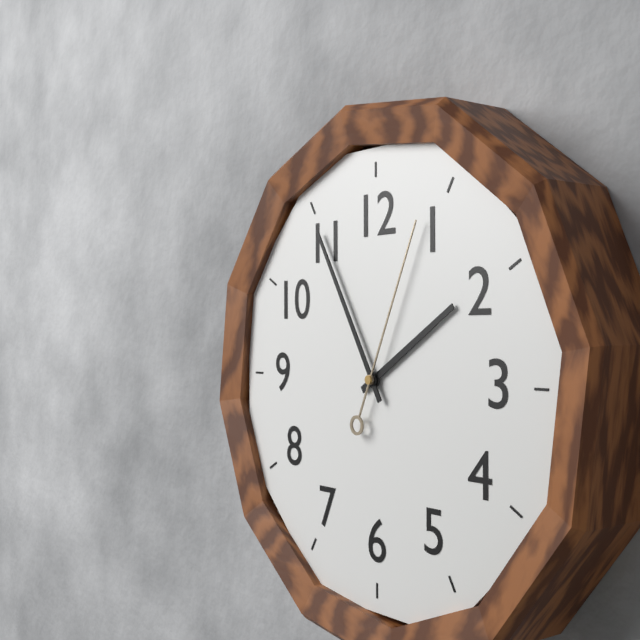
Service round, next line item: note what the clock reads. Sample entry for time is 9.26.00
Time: 1.55.04
